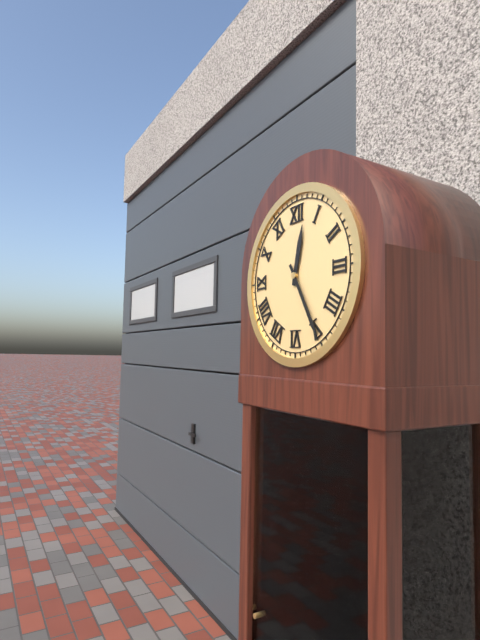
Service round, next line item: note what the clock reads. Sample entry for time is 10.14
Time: 12.25
